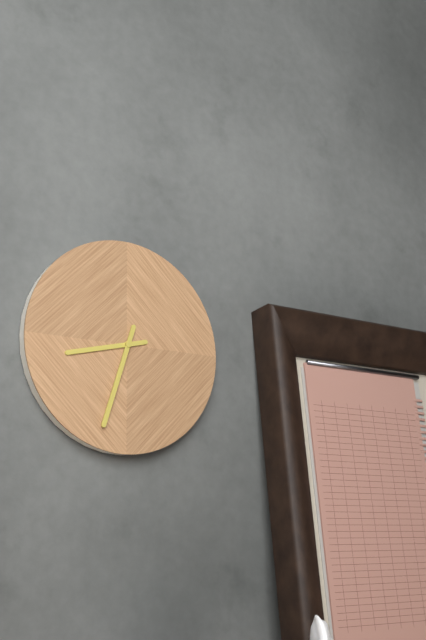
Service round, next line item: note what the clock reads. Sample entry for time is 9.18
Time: 8.33
